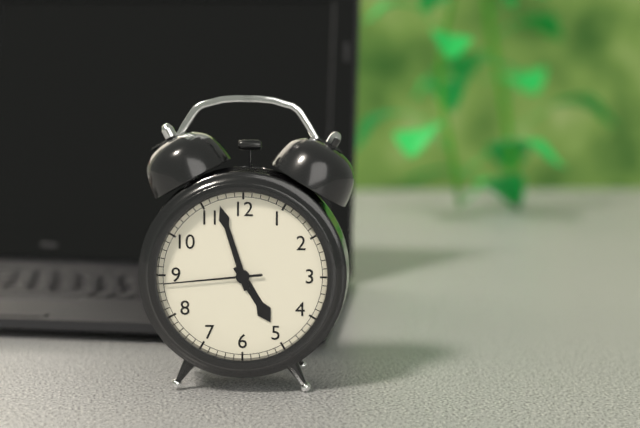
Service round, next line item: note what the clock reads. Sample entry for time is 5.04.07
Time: 4.57.44
